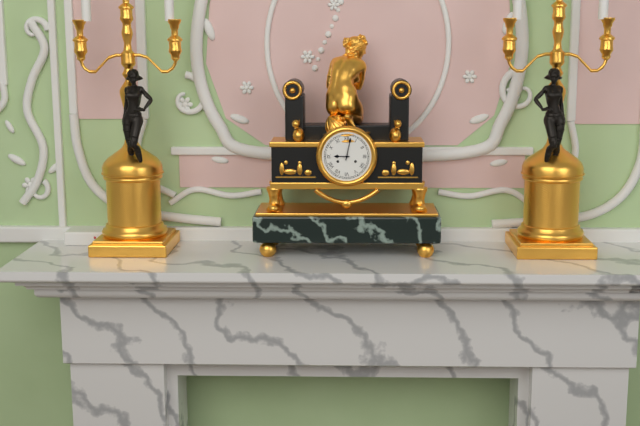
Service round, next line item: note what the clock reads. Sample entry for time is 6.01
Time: 9.02
